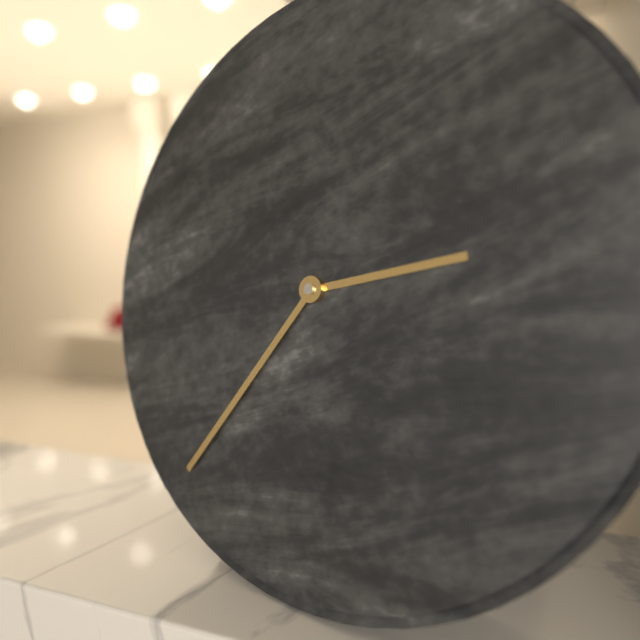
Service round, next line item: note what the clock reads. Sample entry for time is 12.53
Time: 2.36
